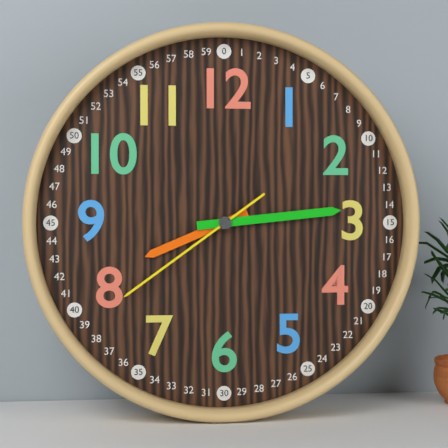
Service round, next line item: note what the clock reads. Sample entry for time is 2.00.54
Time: 8.14.39
